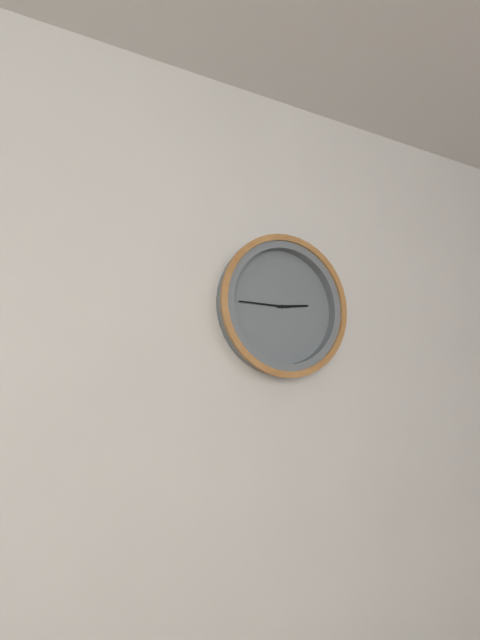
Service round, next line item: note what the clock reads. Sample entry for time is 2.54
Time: 2.45
